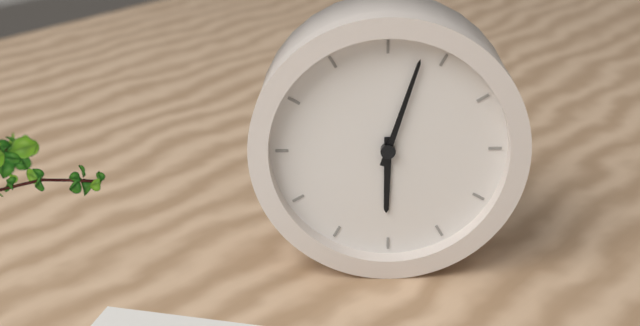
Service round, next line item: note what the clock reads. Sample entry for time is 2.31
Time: 6.03
